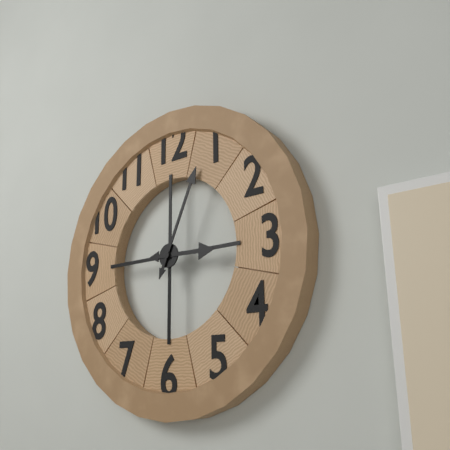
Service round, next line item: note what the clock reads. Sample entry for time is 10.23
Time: 3.04
